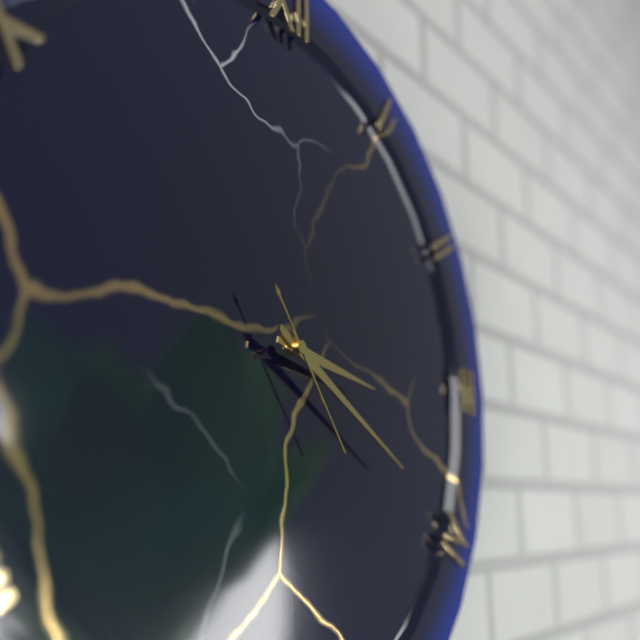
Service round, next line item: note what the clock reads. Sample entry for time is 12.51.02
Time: 3.20.24
